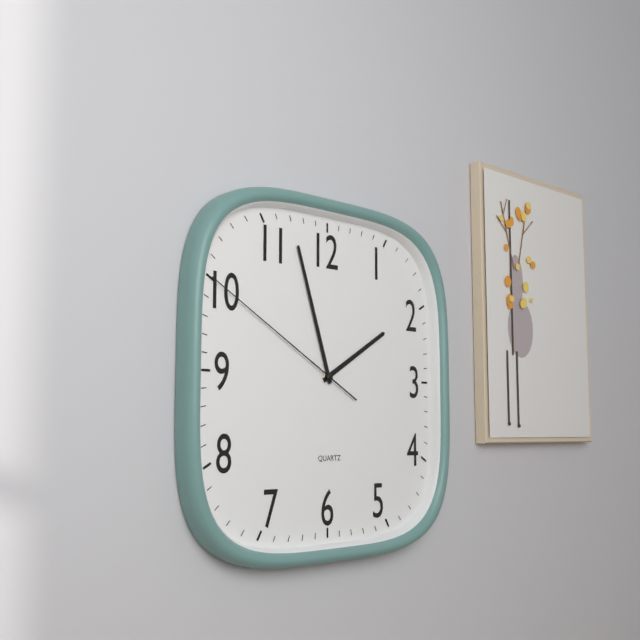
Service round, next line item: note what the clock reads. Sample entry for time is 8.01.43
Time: 1.57.50
